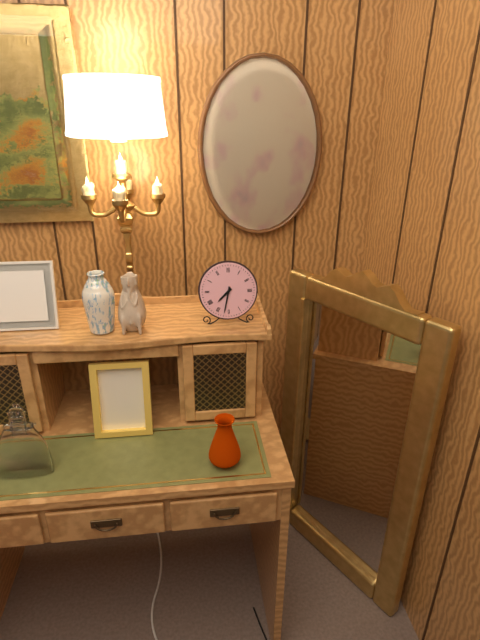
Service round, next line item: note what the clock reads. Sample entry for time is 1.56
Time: 7.32
